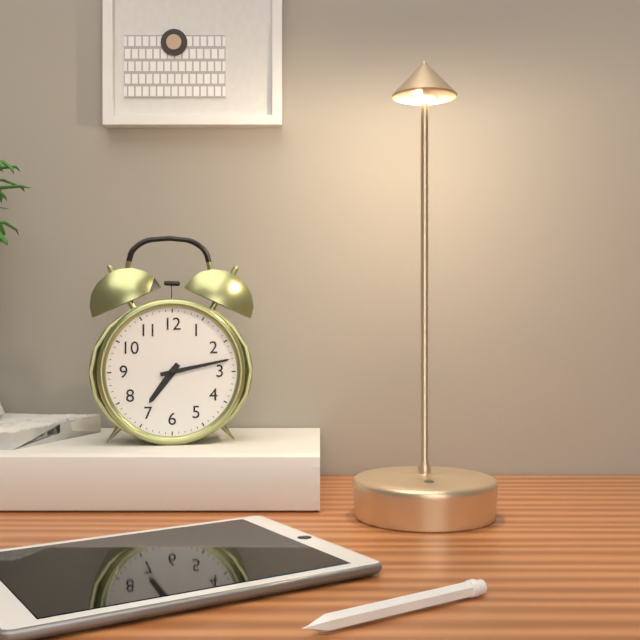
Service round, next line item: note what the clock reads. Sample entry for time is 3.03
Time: 7.13
